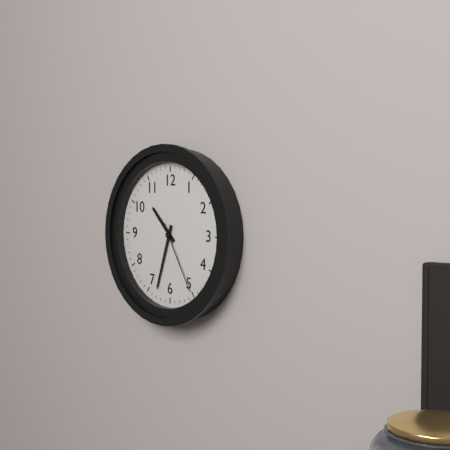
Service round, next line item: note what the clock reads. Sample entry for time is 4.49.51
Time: 10.33.25
